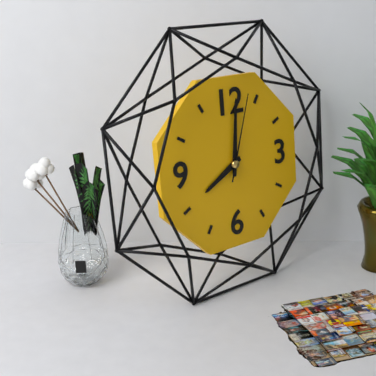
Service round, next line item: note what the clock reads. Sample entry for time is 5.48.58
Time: 8.01.03
